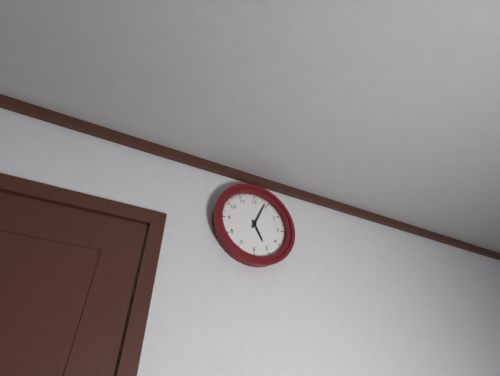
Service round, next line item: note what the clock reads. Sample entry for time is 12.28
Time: 5.04
